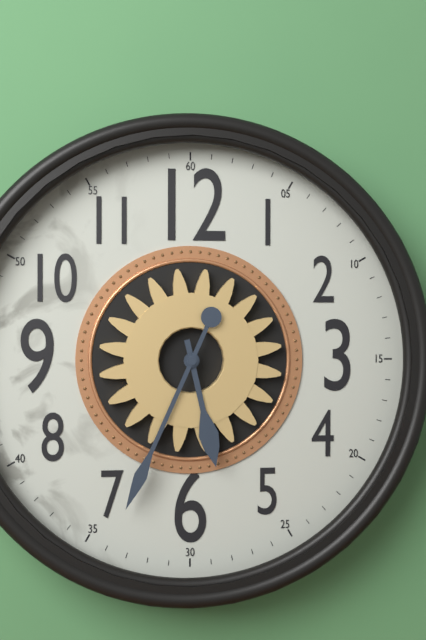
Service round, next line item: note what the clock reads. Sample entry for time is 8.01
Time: 5.34
